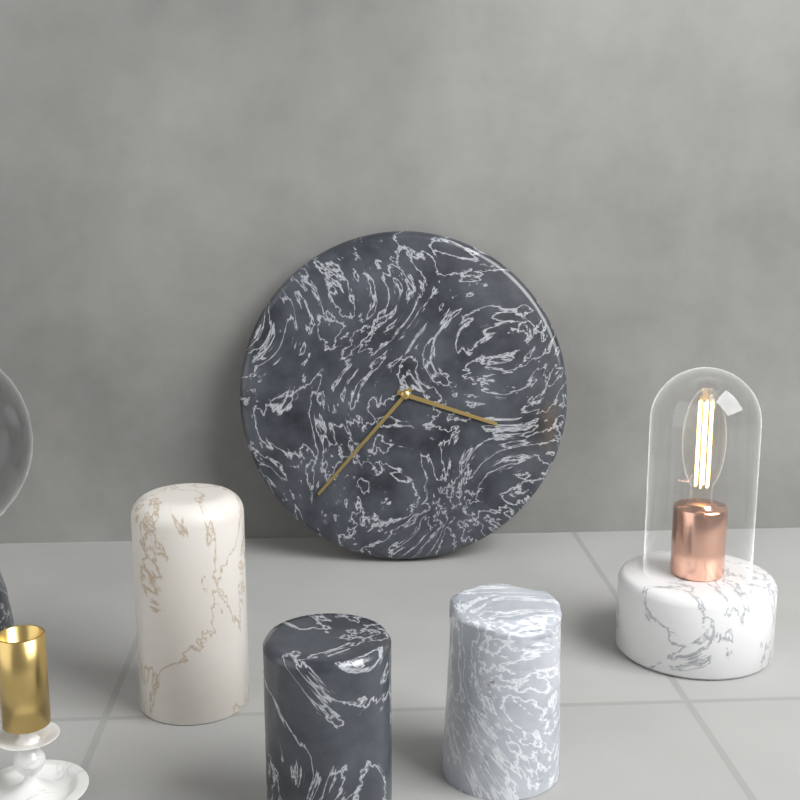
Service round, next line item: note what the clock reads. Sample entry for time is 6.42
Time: 3.37
